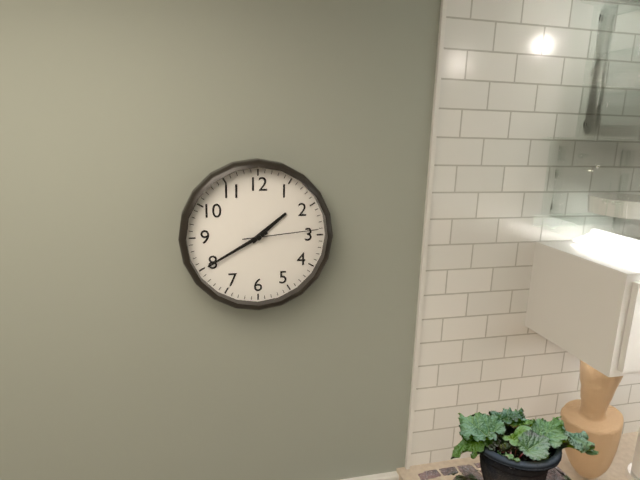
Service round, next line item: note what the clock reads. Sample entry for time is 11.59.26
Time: 1.40.14
